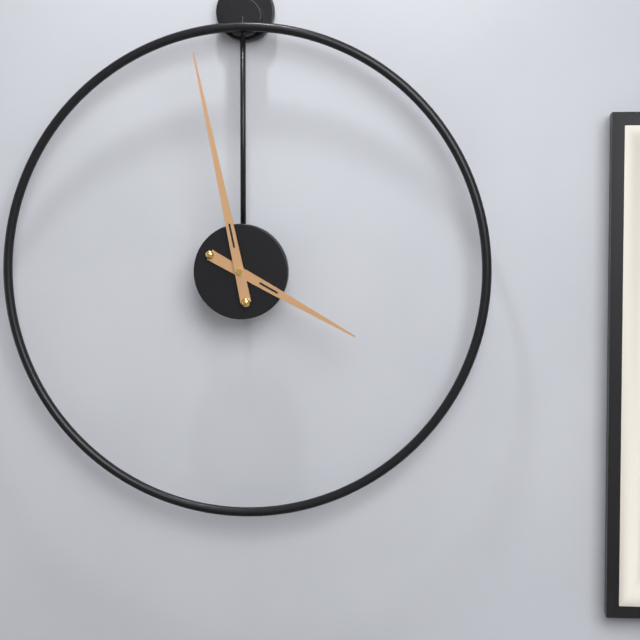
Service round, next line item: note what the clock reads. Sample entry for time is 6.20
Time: 3.58
